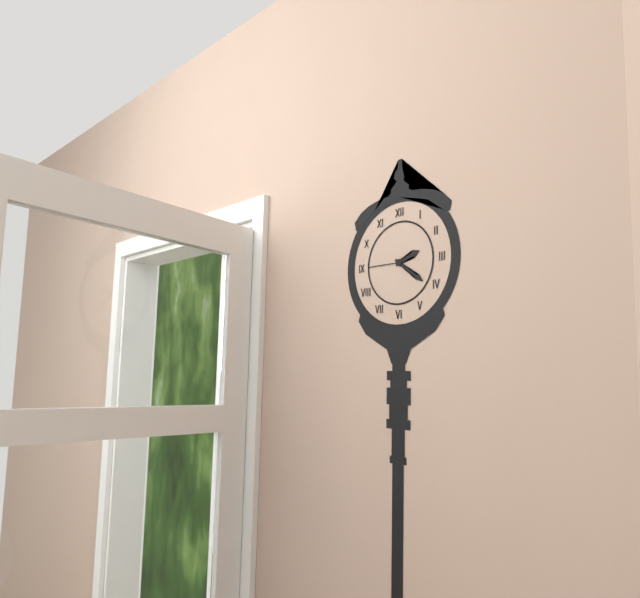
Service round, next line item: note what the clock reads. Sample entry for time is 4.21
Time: 2.21
